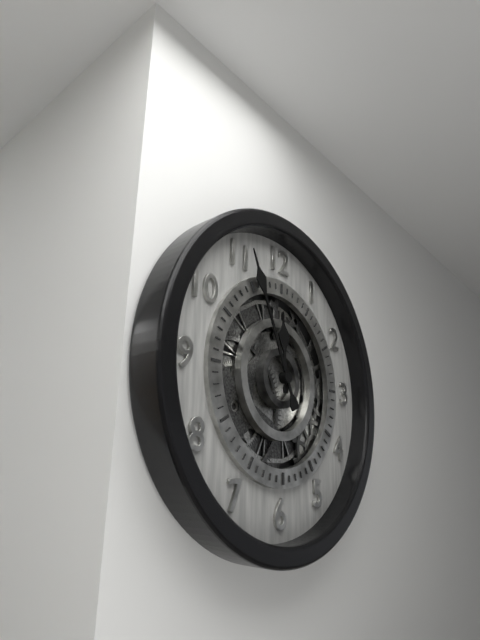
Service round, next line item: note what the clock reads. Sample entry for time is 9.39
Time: 11.56
